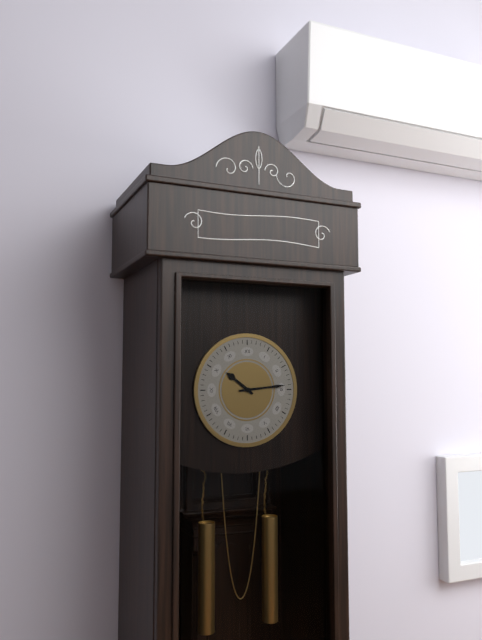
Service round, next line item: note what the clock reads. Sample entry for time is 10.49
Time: 10.14
